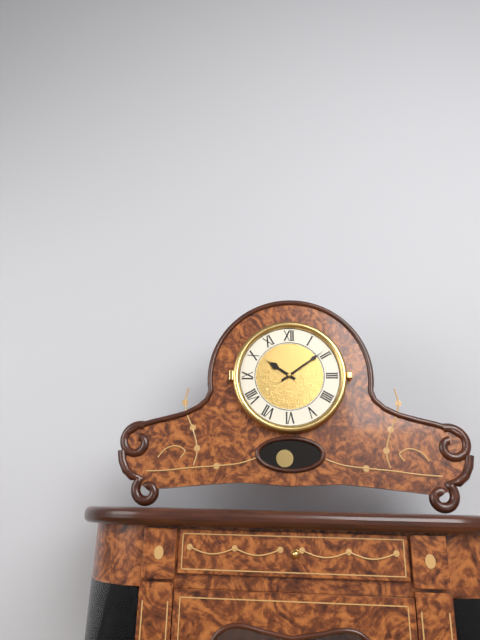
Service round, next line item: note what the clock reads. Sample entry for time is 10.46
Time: 10.09
